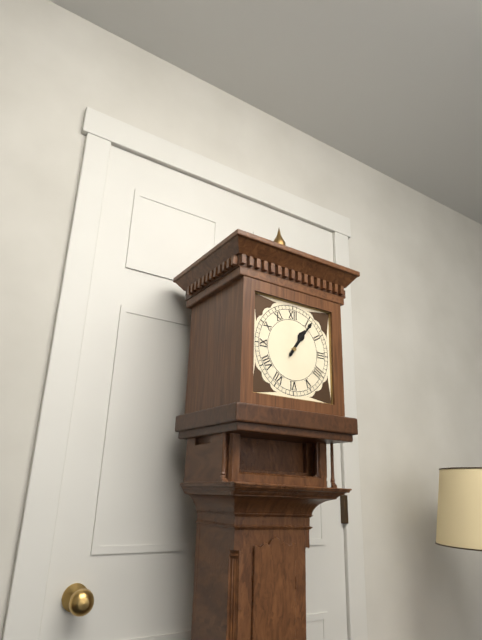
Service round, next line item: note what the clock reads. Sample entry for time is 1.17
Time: 1.06
